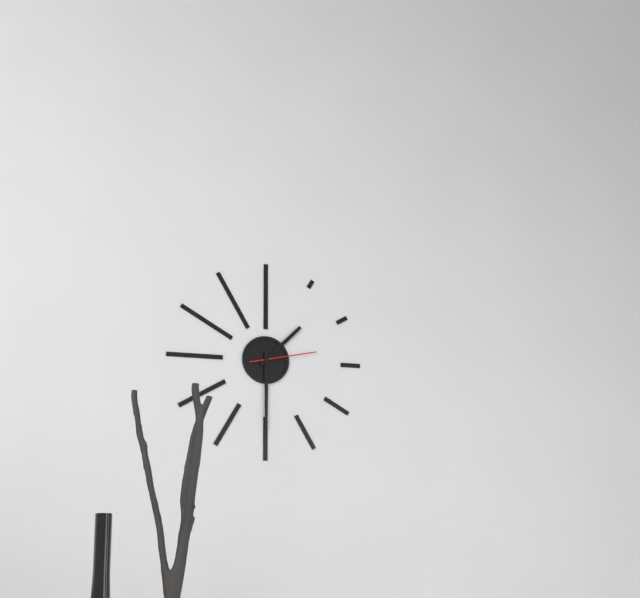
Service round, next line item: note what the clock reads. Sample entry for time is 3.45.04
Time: 1.30.13
